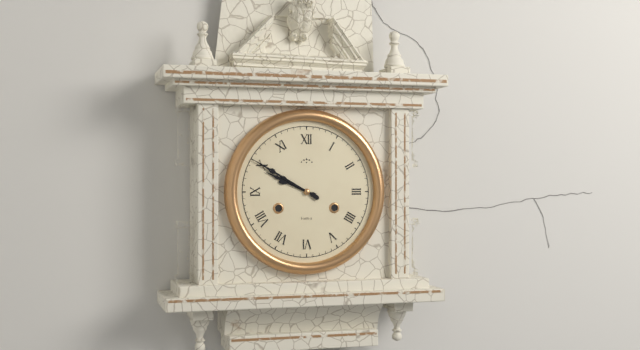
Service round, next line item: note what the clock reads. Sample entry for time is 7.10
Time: 9.50
